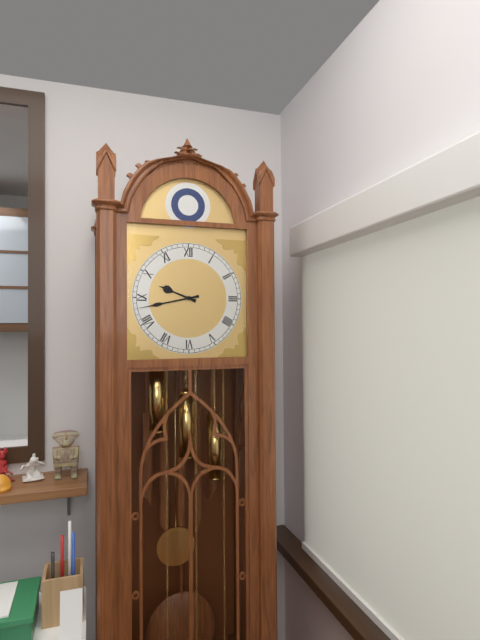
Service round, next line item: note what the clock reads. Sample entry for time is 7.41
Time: 9.43
